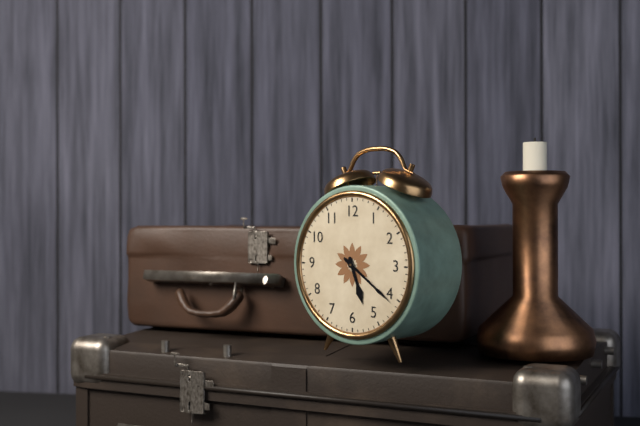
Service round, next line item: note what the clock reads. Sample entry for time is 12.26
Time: 5.21
